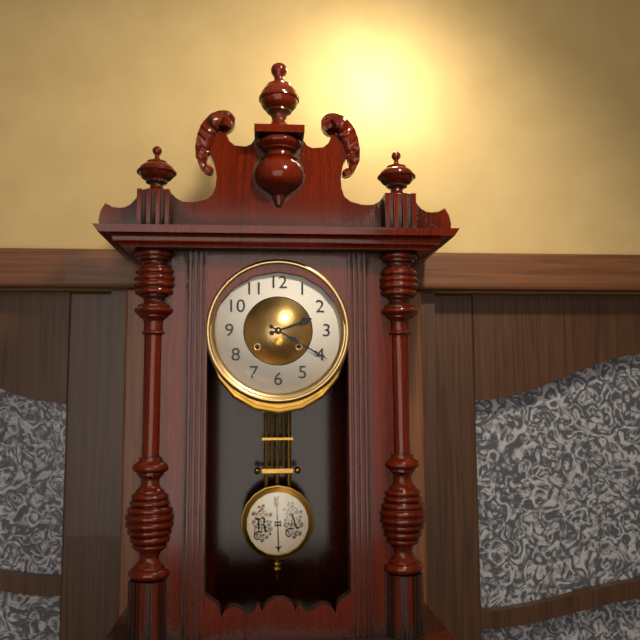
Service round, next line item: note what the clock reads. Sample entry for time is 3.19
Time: 2.20
